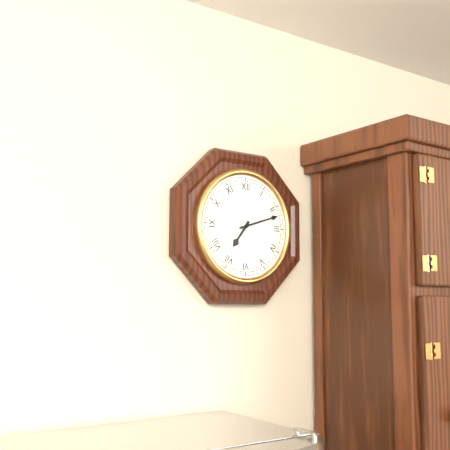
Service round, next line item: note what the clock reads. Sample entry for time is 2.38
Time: 7.12
